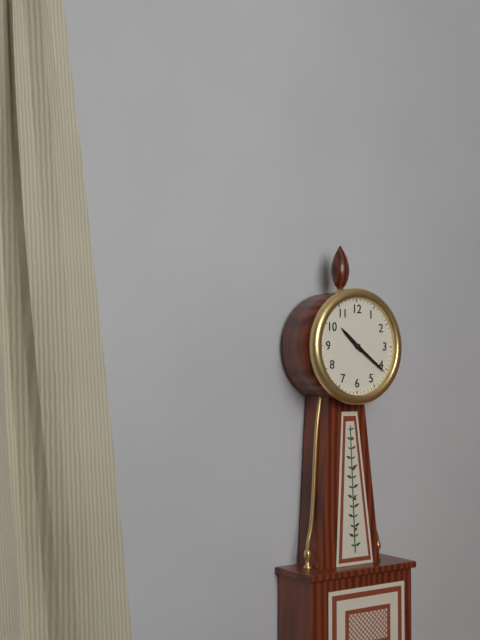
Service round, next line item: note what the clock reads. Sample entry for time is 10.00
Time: 10.21
